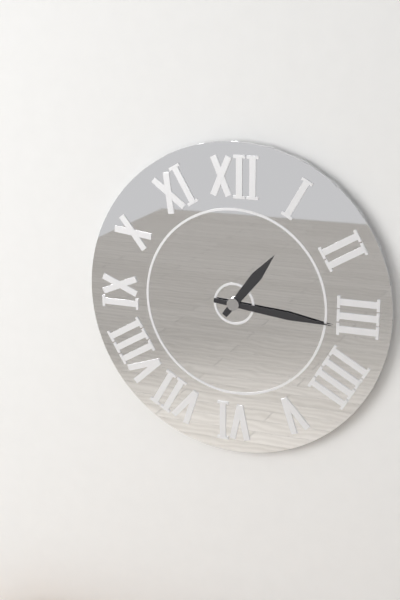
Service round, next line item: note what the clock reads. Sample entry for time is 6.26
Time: 1.16
